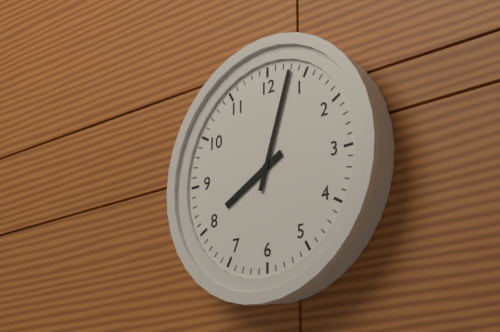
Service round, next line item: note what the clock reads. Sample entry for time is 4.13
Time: 8.03
